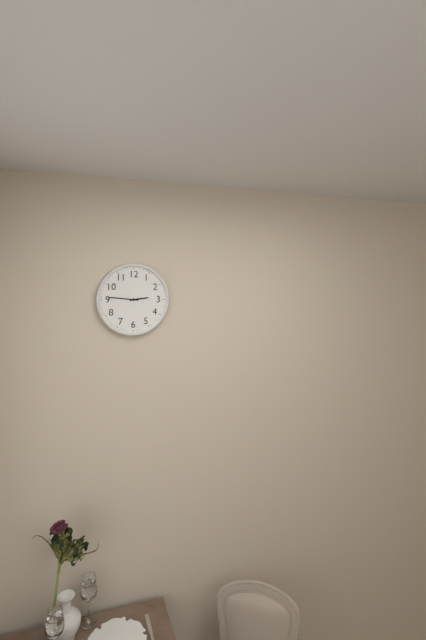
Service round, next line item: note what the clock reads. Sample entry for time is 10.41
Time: 2.46
